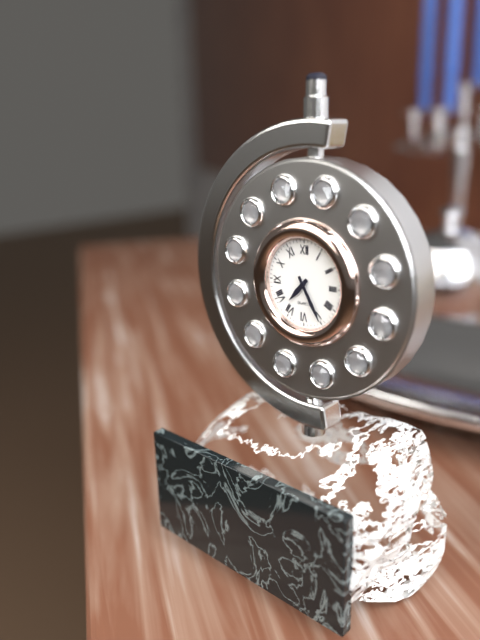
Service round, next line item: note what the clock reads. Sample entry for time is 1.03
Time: 7.25
